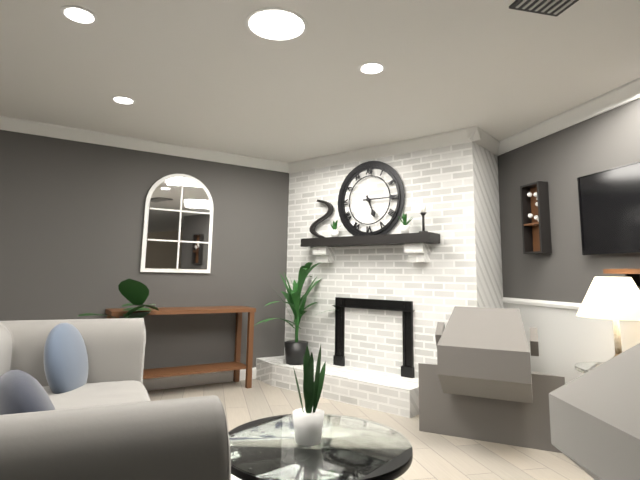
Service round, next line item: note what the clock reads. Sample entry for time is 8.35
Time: 5.15
